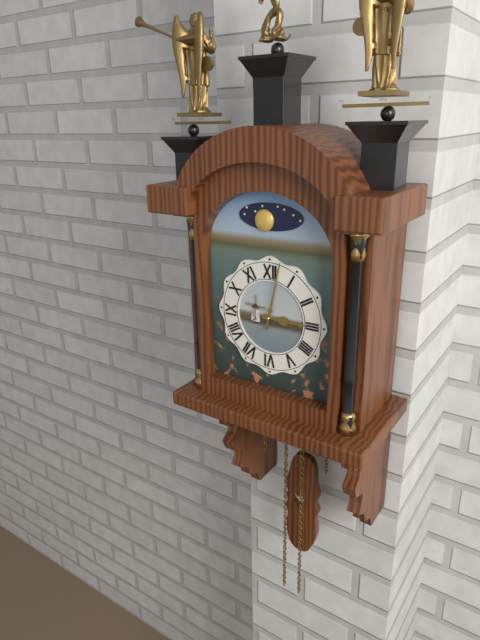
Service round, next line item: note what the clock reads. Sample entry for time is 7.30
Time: 3.02
